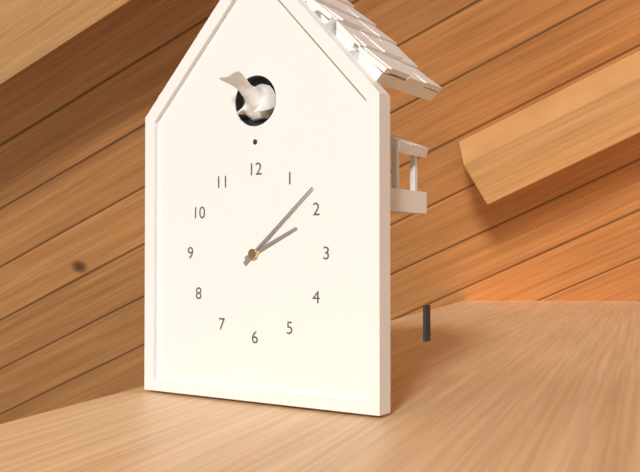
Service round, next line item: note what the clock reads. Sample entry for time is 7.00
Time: 2.08
